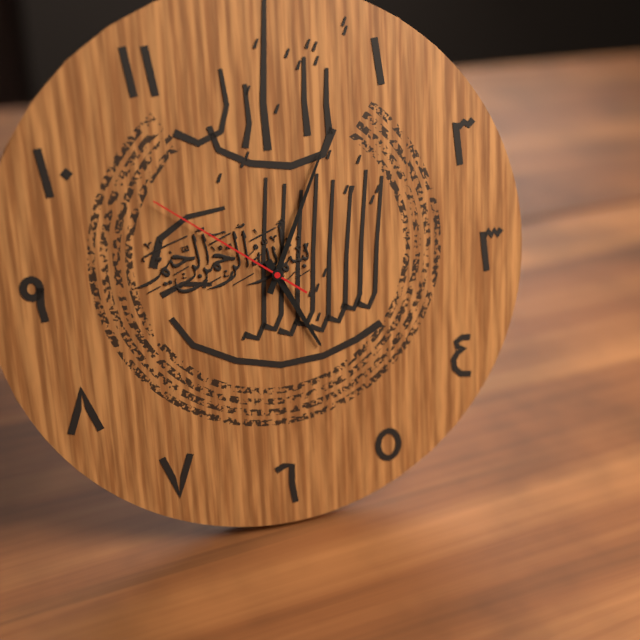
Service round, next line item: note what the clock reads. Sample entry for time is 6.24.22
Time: 5.04.51
